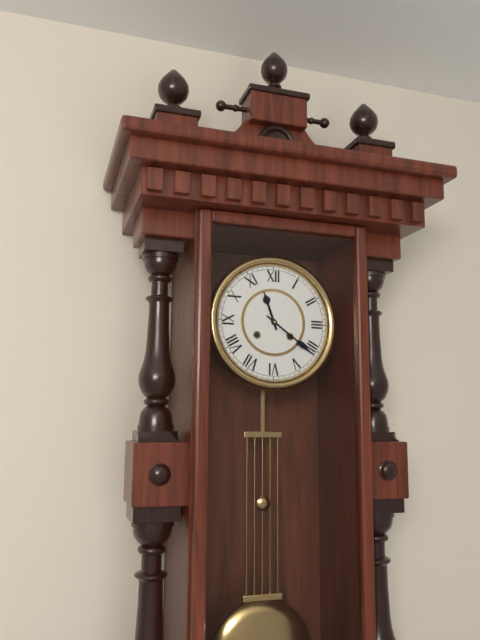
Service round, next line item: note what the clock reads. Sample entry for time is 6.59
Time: 11.21
